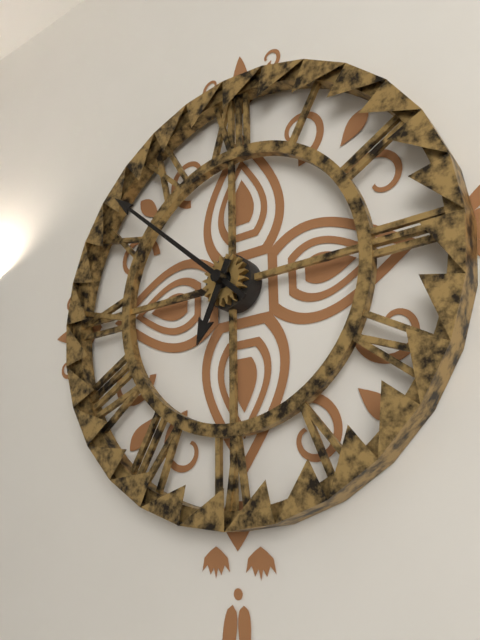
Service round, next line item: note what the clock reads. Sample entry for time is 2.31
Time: 6.52
